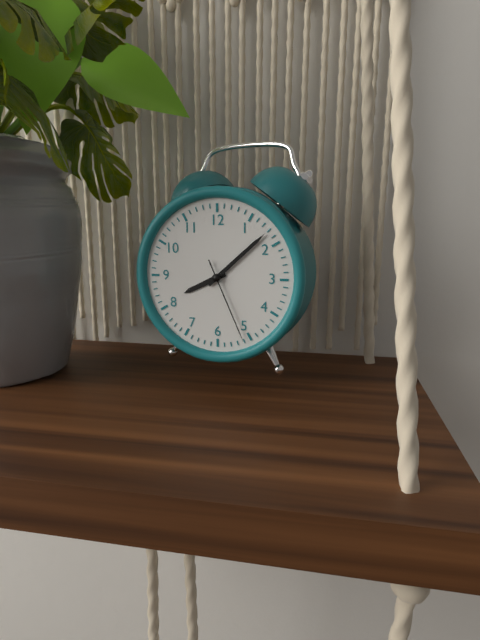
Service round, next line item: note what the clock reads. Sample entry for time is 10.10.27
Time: 8.08.26
